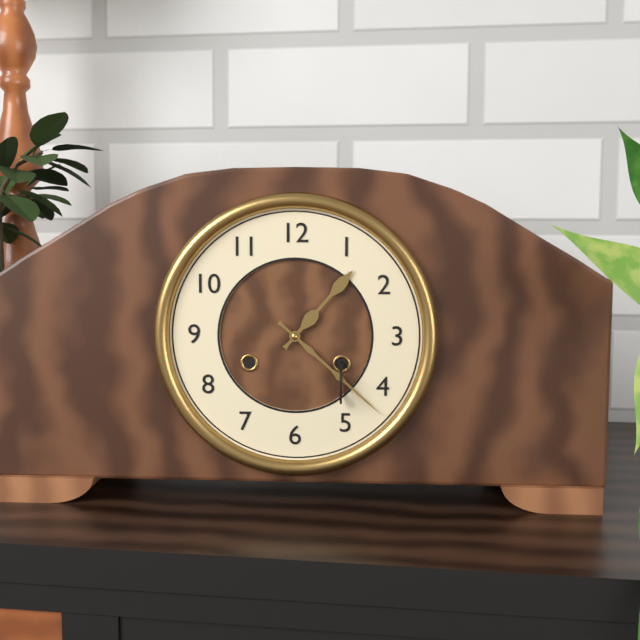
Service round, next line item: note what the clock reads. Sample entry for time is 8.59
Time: 1.22
